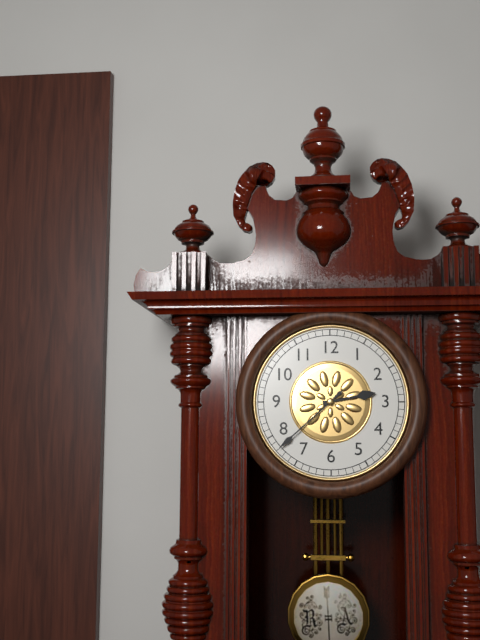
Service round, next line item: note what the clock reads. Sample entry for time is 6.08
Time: 2.38
